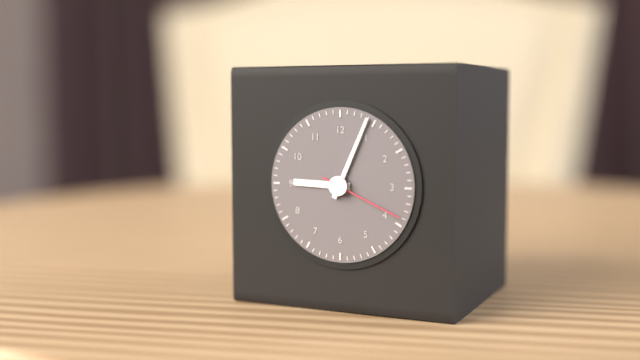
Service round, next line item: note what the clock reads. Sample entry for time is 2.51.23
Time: 9.04.19
